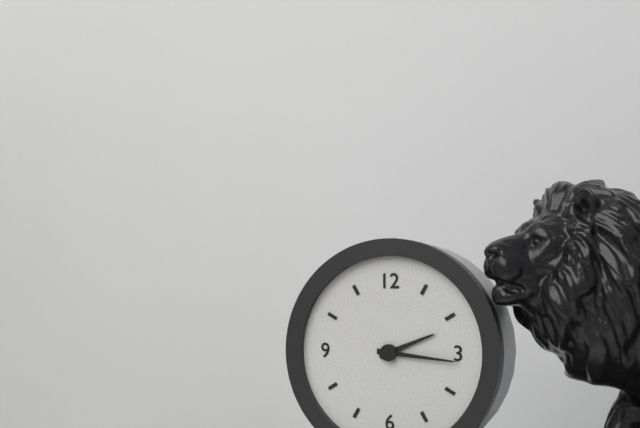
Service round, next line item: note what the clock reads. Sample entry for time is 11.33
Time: 2.16
